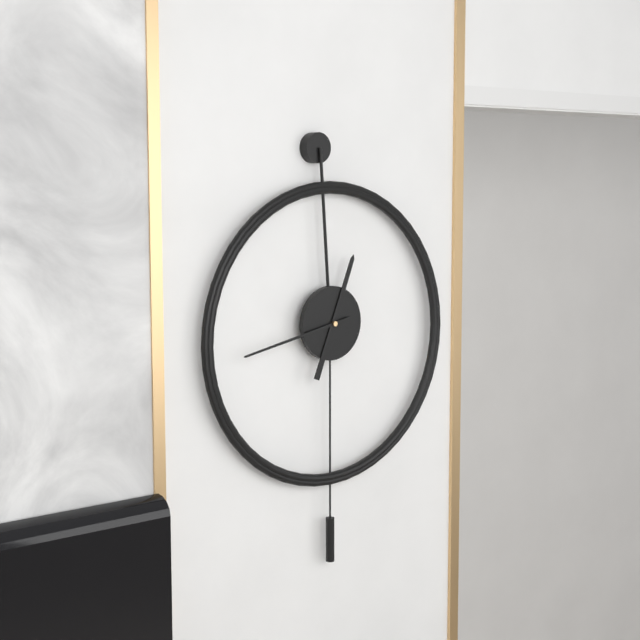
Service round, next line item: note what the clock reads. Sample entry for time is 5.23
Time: 12.43
